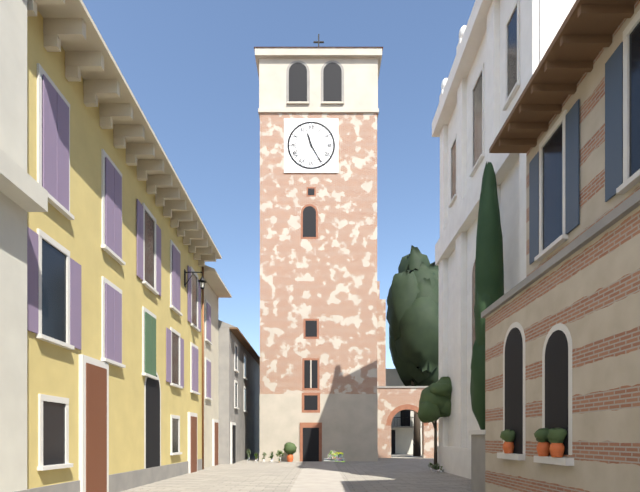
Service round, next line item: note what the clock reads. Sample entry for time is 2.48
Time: 11.25
